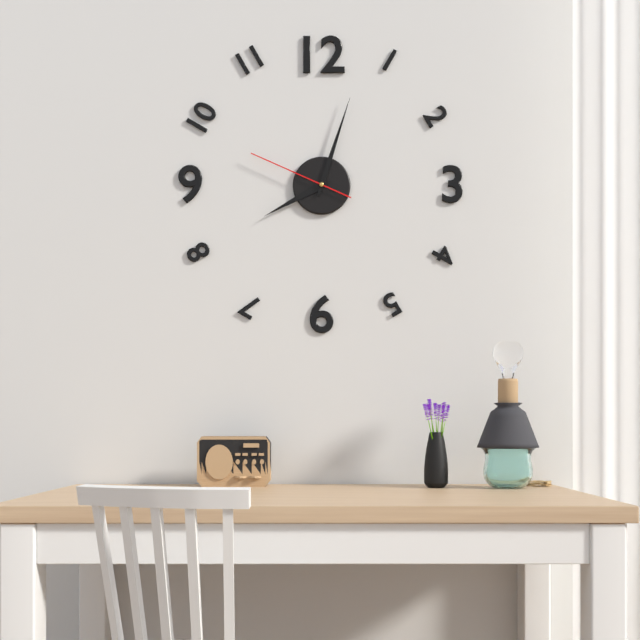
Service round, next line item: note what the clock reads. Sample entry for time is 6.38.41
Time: 8.03.49
